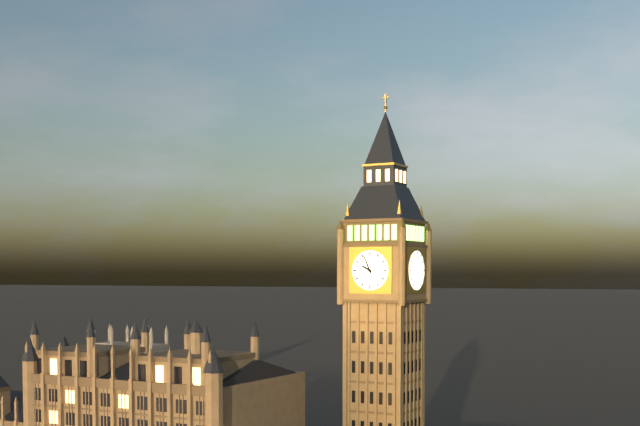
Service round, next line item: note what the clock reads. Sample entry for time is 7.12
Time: 9.56
